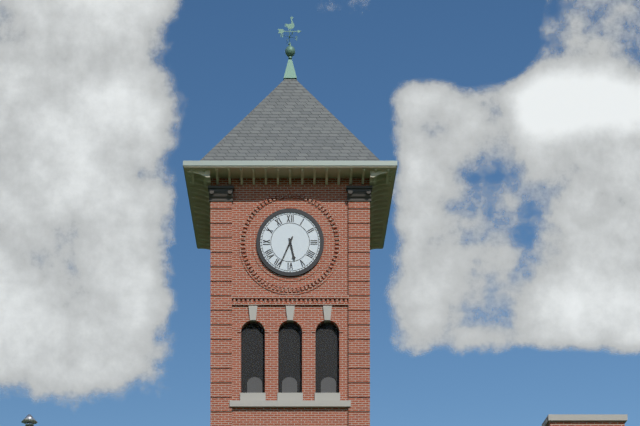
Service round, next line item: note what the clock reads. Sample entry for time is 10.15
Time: 5.34
